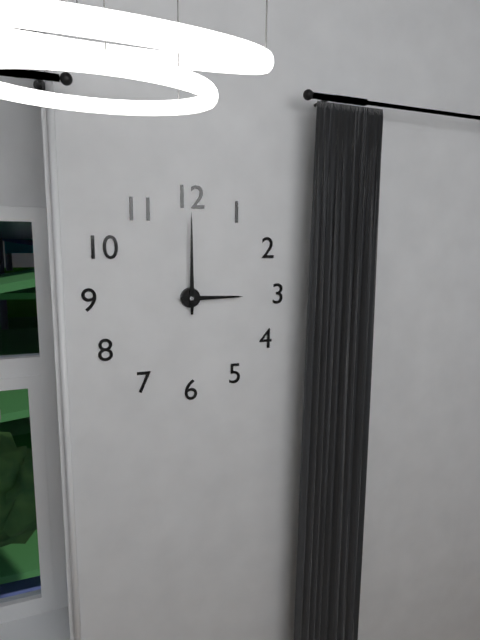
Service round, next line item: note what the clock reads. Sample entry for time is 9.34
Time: 3.00
